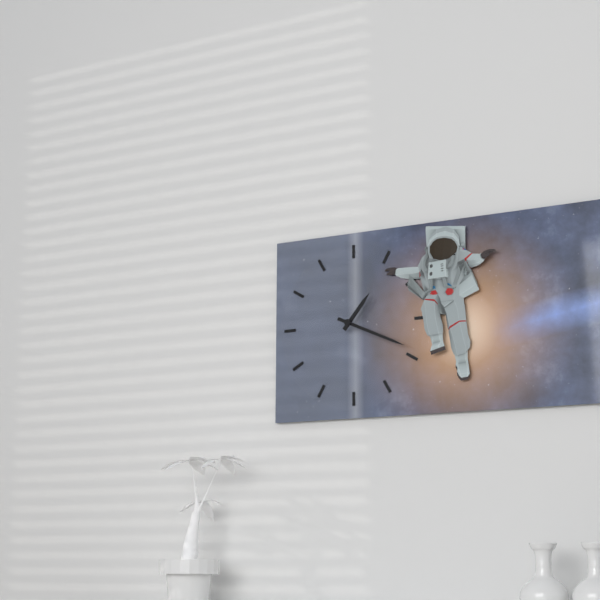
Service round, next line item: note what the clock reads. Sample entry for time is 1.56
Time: 1.19
